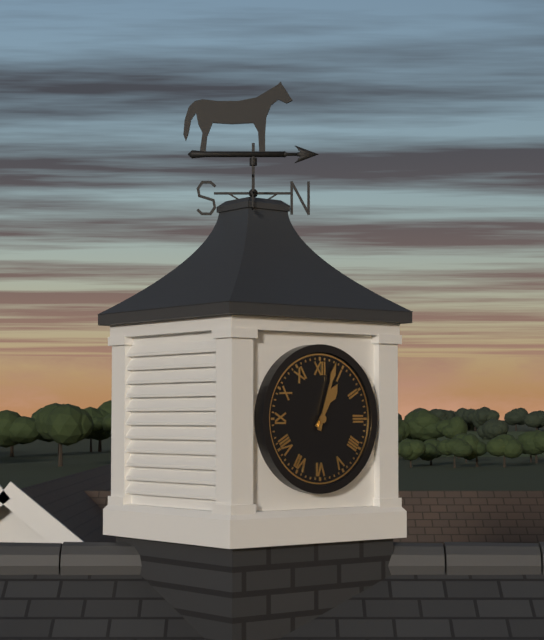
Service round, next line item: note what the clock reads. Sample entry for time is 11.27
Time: 1.03
